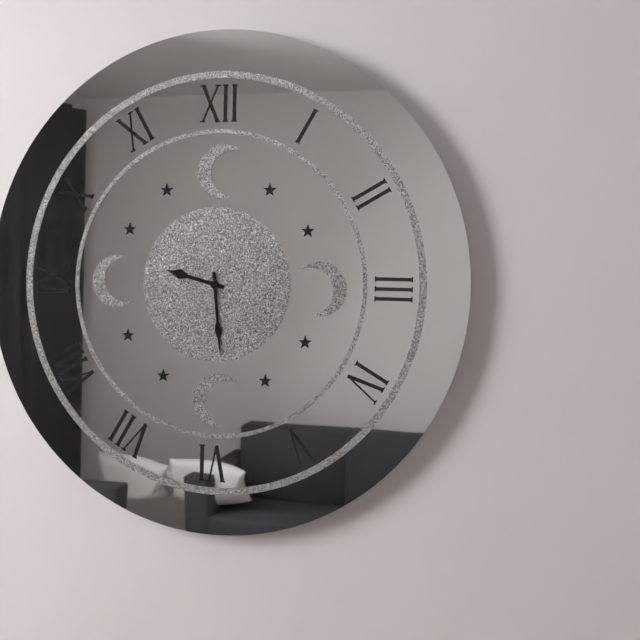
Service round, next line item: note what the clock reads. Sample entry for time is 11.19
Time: 9.29
